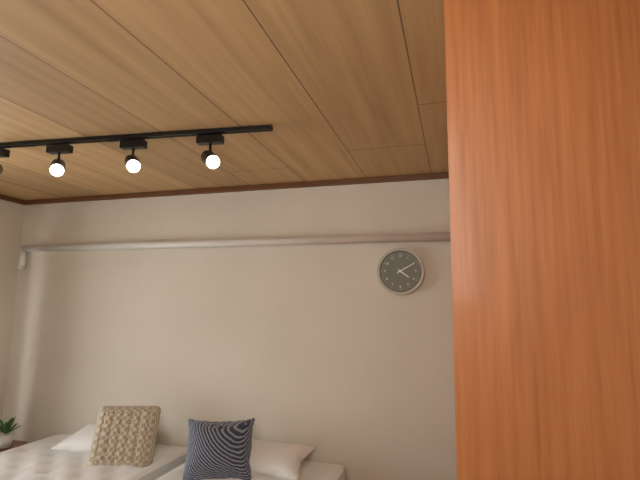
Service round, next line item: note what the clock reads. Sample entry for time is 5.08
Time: 4.10
